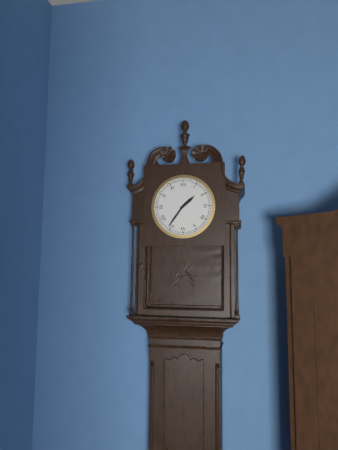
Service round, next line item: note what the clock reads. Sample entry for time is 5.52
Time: 1.36
